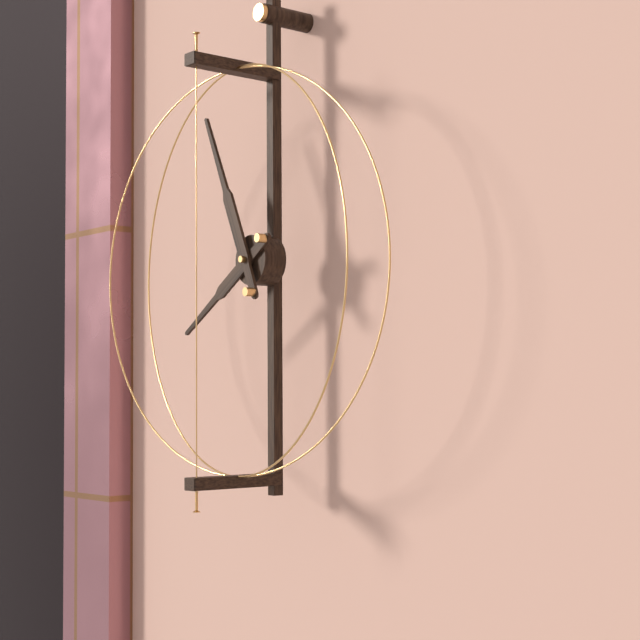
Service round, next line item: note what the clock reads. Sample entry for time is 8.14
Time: 7.56
